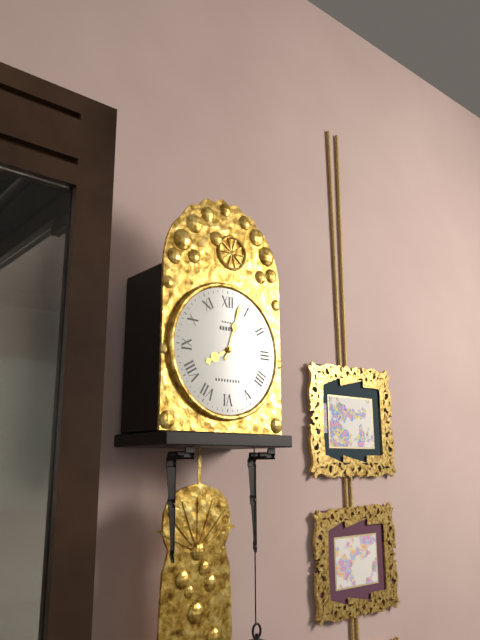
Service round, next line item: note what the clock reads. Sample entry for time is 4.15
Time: 8.03
